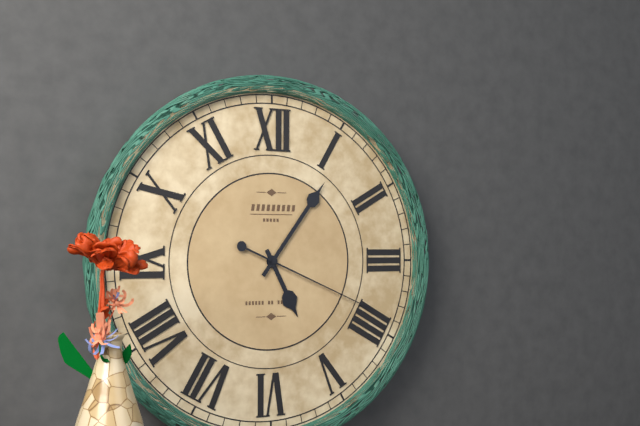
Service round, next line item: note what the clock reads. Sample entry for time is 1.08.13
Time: 5.06.19
